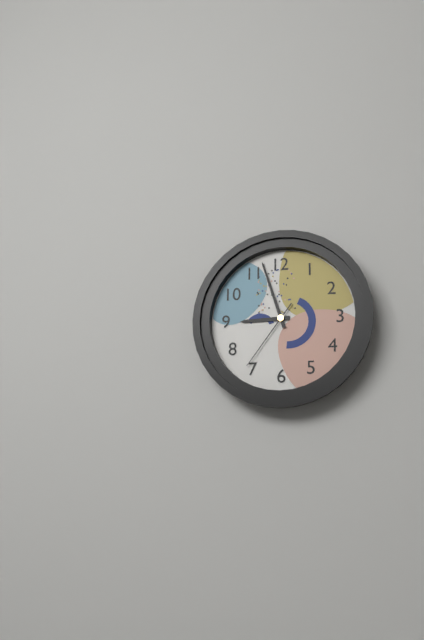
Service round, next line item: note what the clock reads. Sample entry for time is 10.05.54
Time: 8.57.36
